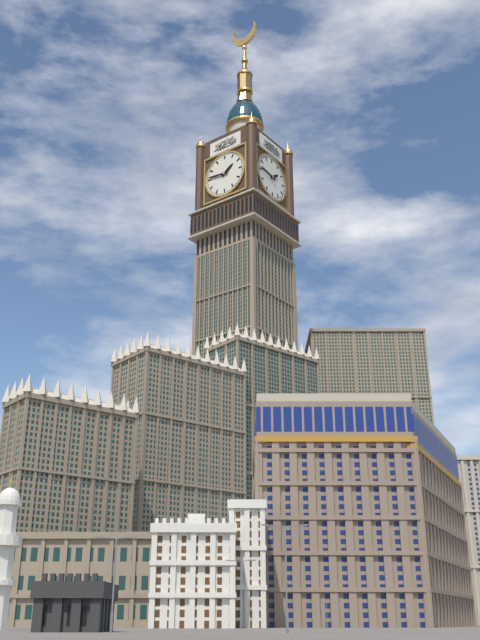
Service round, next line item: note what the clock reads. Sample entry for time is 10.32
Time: 1.46
